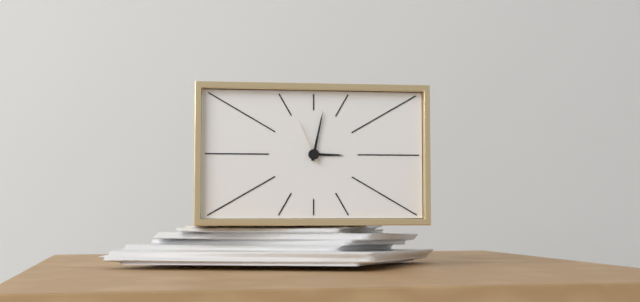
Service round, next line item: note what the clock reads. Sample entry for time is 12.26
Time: 3.02
